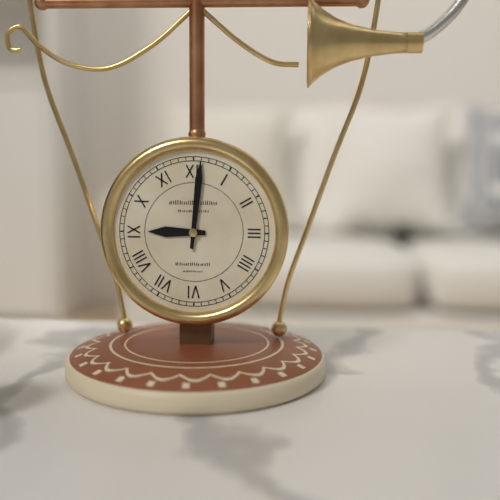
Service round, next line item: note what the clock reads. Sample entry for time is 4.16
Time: 9.01
